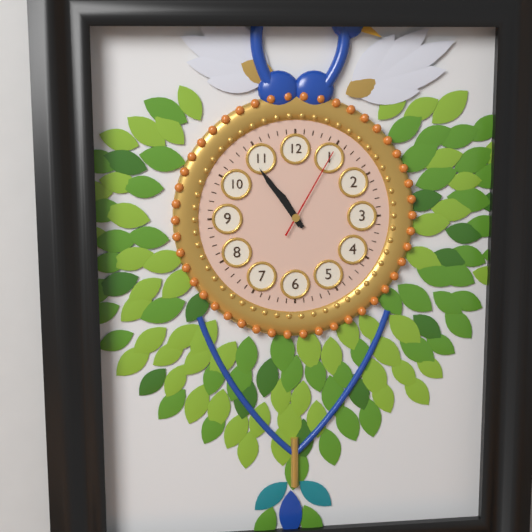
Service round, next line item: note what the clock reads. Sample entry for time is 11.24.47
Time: 10.54.05
